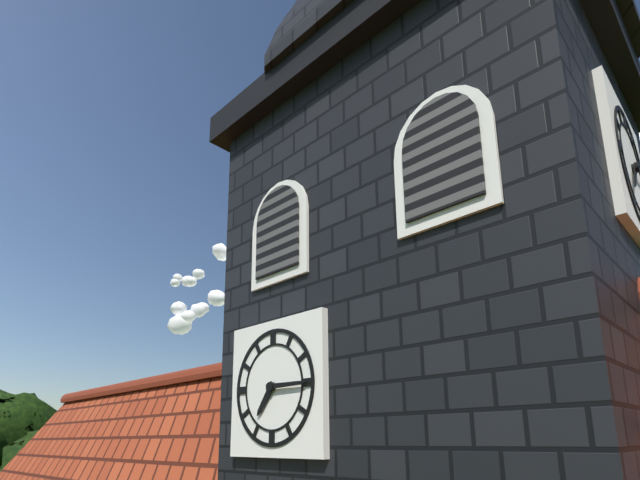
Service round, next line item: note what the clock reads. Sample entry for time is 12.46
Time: 7.15
